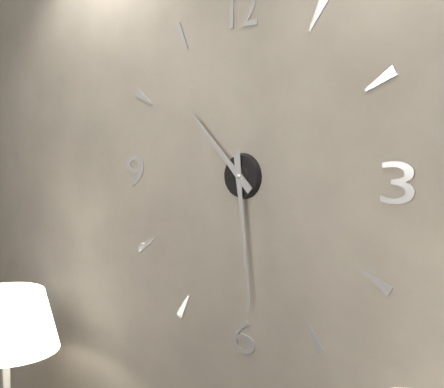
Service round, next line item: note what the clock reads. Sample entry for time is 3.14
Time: 10.29
